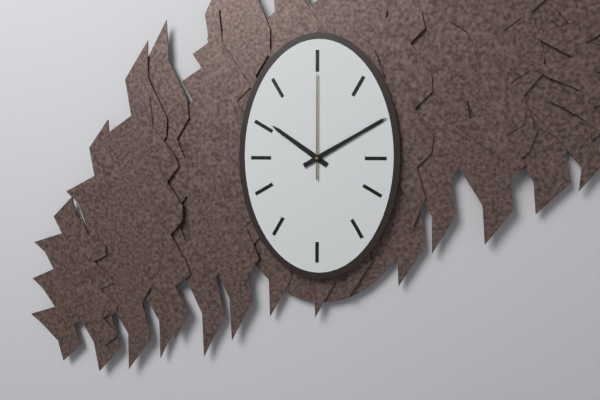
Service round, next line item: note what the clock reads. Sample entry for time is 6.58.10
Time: 10.10.00
